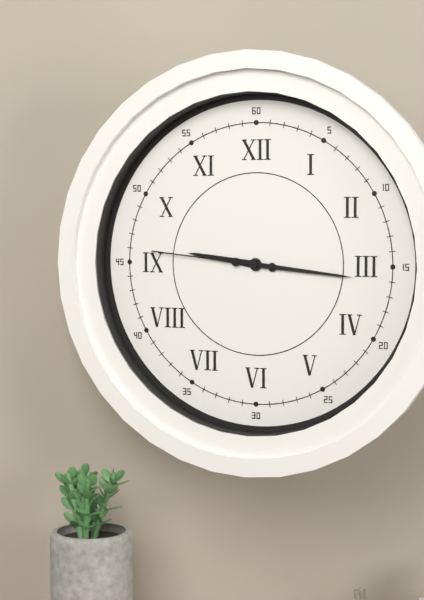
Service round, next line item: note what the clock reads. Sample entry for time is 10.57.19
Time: 9.16.46
